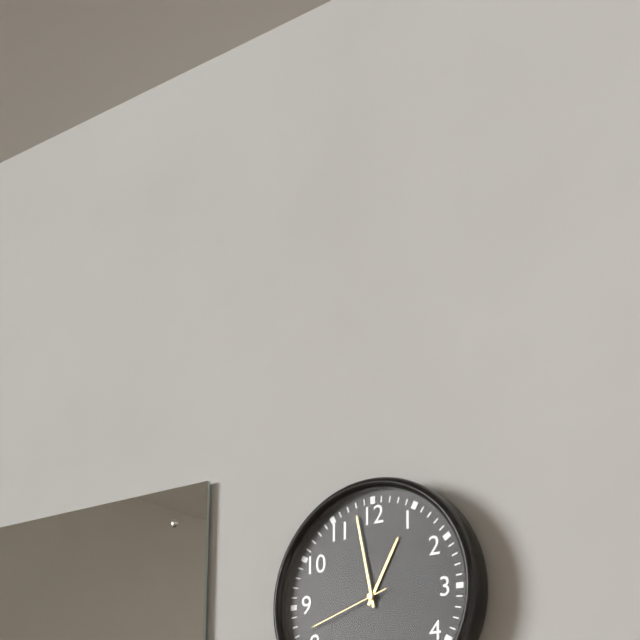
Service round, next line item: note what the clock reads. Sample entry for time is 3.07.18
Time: 12.58.42
